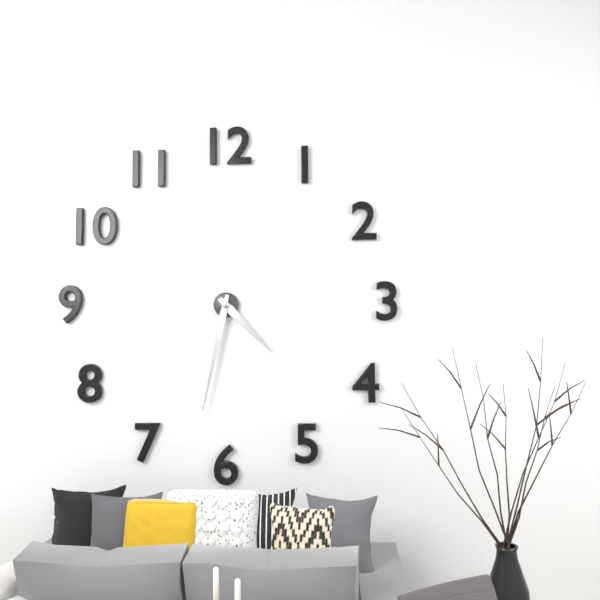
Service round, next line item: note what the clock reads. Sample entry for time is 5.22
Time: 4.32
